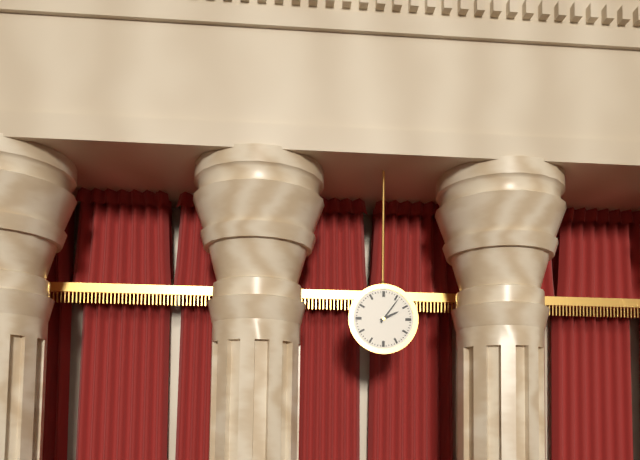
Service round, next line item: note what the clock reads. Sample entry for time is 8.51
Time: 2.06
